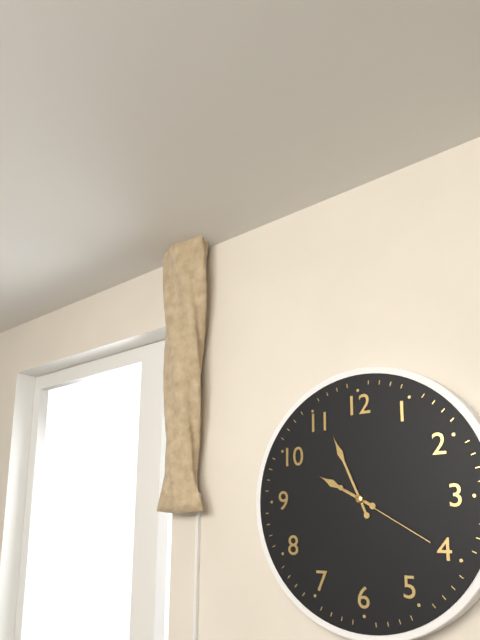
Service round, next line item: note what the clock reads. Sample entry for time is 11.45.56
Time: 9.56.20
